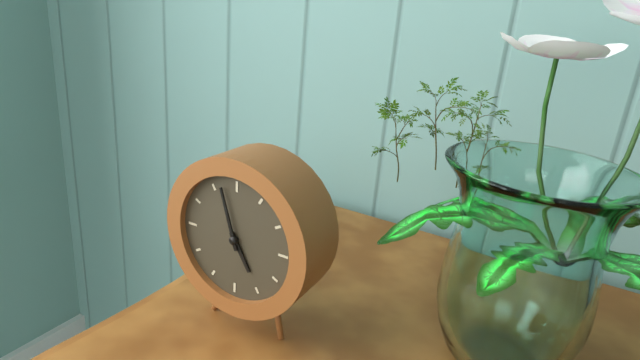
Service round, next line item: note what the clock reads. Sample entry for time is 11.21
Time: 4.57
